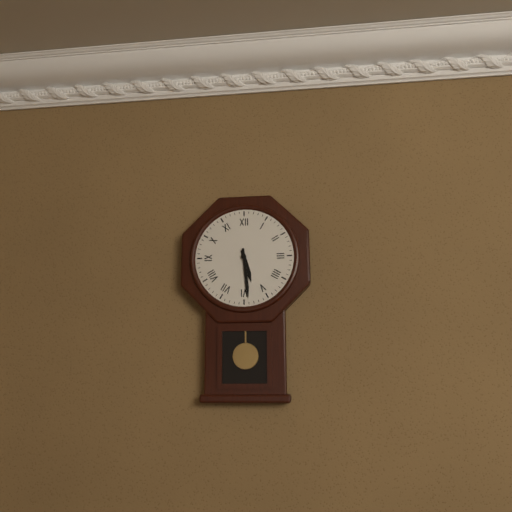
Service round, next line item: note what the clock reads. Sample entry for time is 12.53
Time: 5.29
